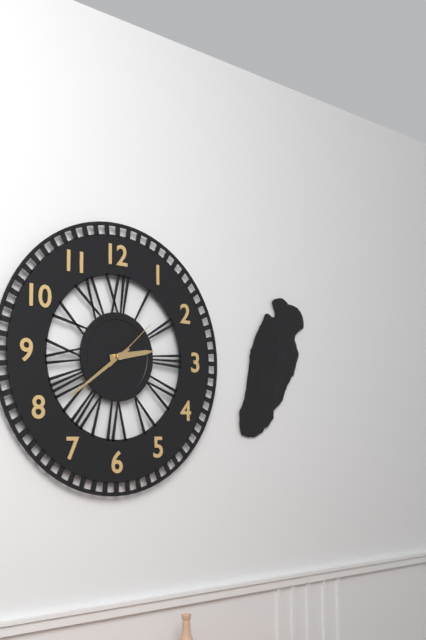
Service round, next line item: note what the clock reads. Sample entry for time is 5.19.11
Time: 2.39.08
